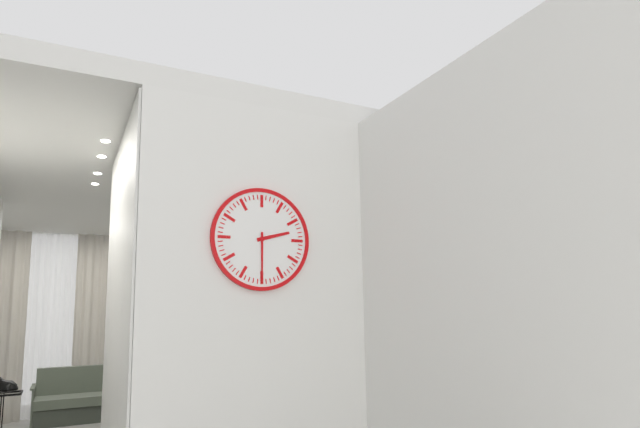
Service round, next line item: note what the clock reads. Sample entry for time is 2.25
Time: 2.30
